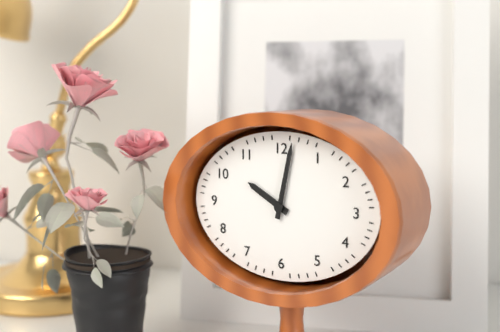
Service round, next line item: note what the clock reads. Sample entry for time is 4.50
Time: 10.02
